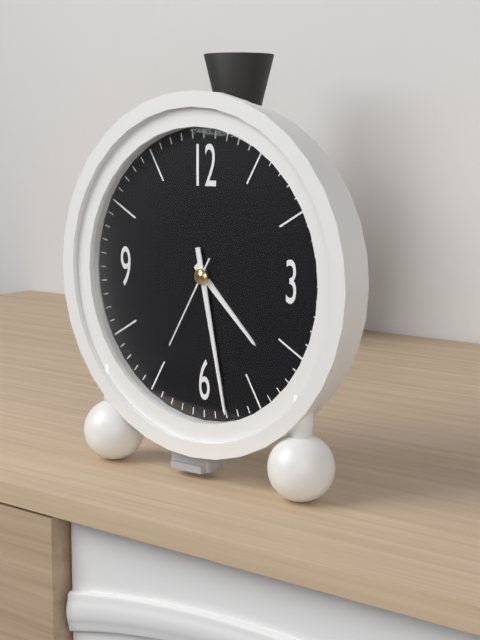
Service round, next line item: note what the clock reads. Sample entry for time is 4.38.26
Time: 4.28.35
